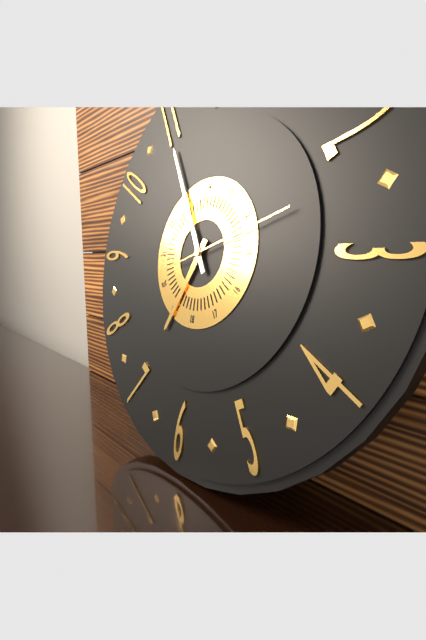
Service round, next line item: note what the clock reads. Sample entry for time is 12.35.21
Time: 6.55.12
